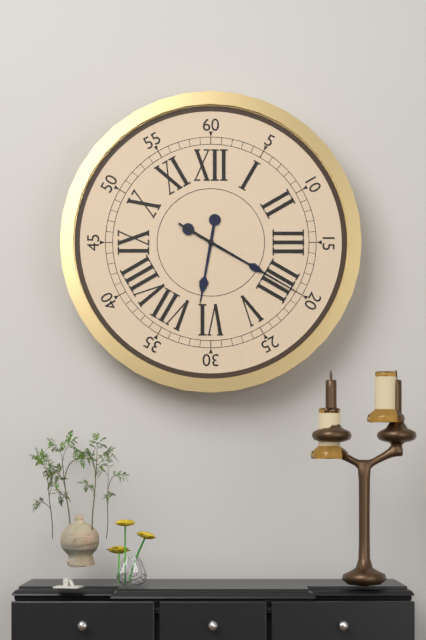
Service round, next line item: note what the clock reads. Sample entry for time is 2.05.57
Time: 6.20.20
